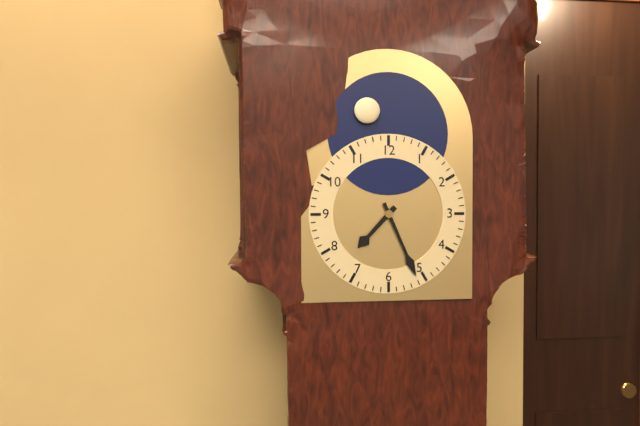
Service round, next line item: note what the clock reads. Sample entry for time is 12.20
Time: 7.26
